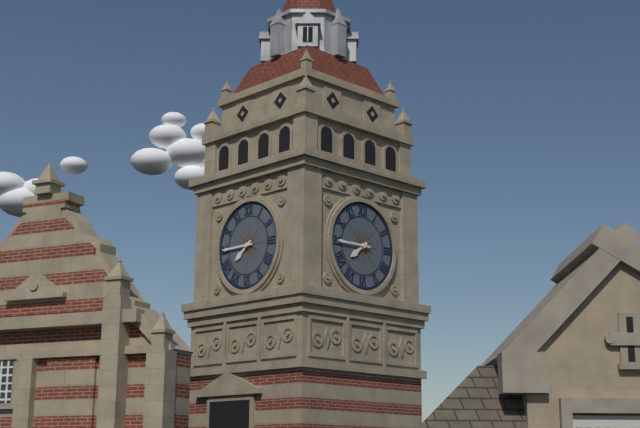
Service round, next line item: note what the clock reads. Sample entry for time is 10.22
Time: 7.45
